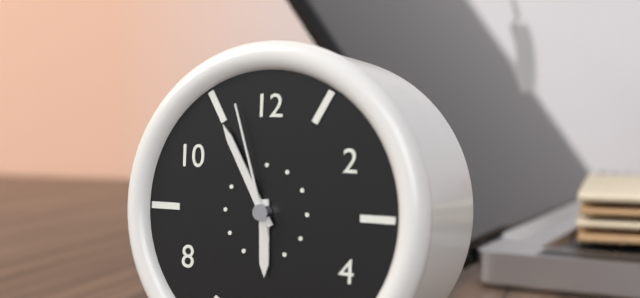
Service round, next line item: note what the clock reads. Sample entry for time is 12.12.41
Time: 5.55.57
